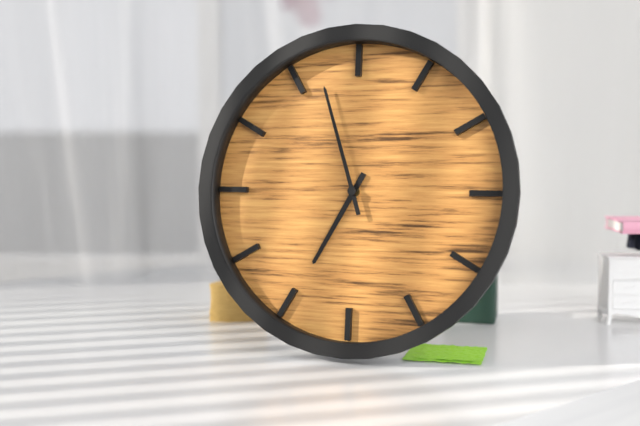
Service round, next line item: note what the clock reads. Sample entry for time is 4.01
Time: 6.57
